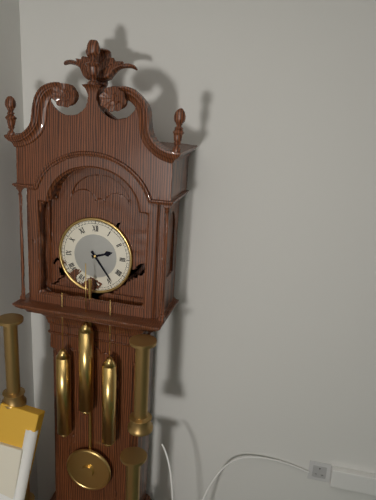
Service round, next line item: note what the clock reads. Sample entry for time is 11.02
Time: 2.24
